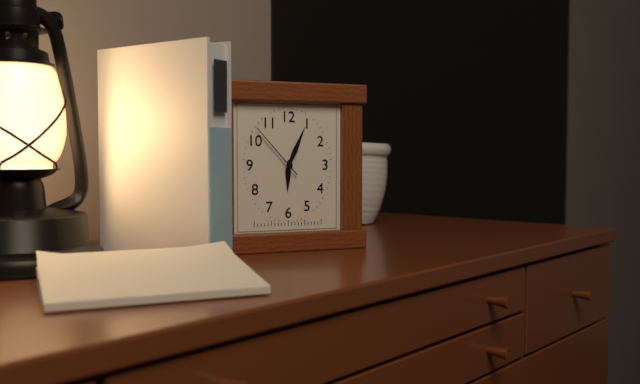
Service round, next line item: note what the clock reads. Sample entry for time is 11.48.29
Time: 6.04.53
